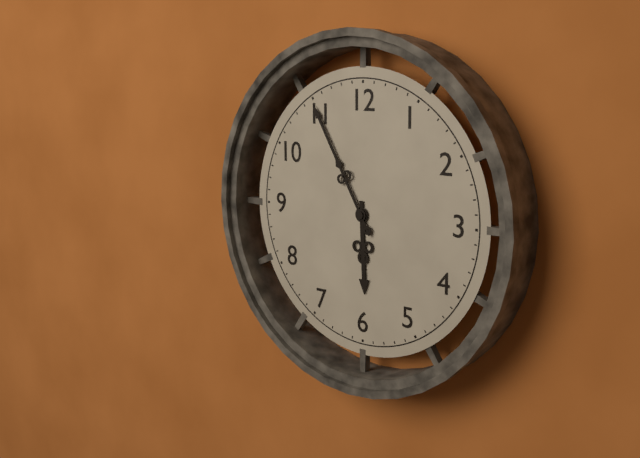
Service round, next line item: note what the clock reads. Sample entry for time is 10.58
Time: 5.55
